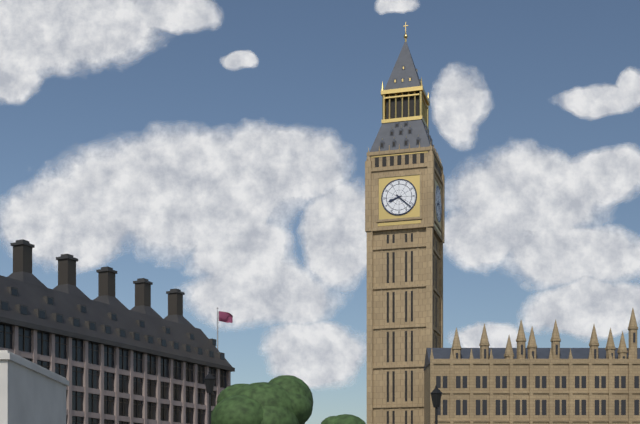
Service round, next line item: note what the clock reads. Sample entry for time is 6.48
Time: 8.22
